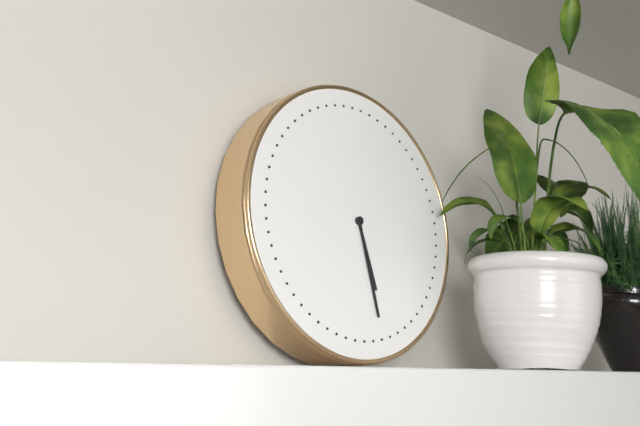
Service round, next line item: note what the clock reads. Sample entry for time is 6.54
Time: 5.28
